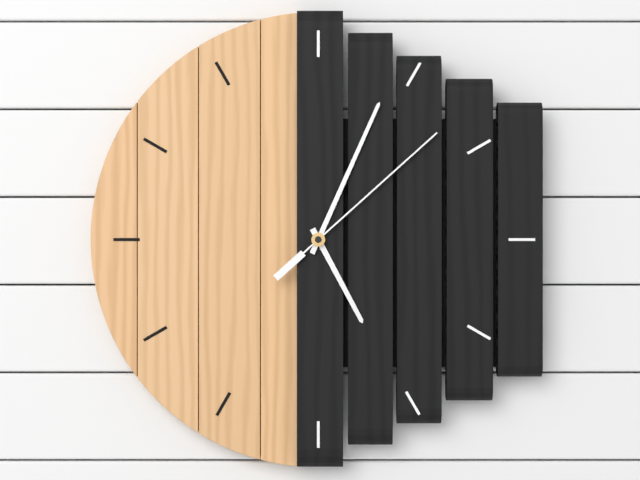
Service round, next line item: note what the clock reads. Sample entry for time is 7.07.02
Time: 5.04.08
